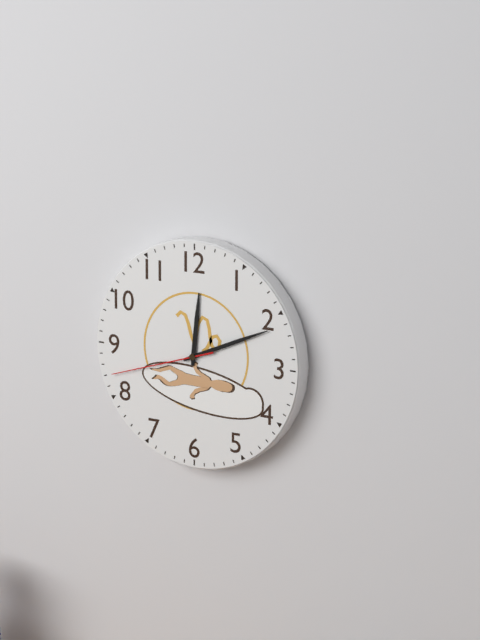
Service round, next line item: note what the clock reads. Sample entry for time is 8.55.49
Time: 12.11.42
